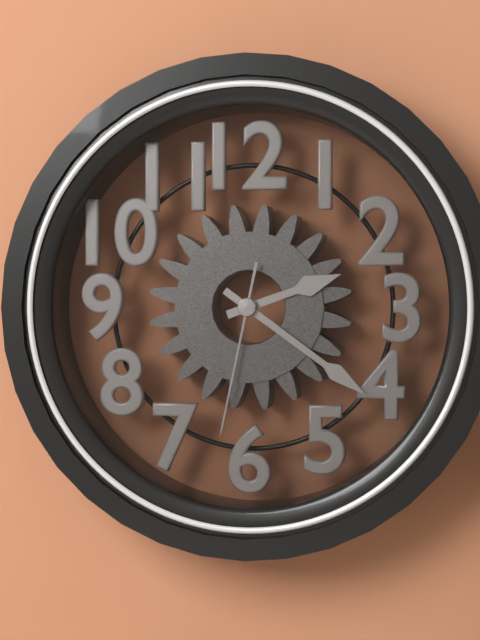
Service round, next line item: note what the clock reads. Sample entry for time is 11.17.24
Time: 2.21.32
